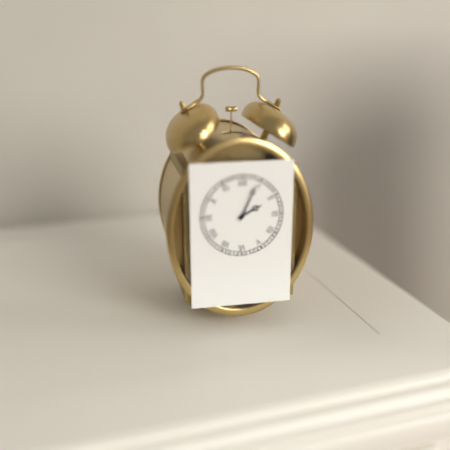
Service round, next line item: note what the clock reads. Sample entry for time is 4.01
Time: 2.04
